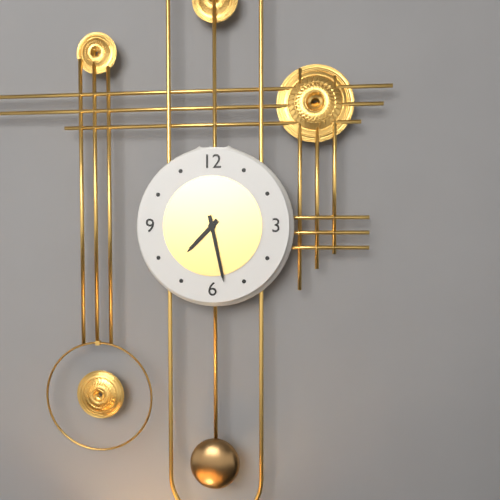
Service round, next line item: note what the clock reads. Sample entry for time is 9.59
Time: 7.28
